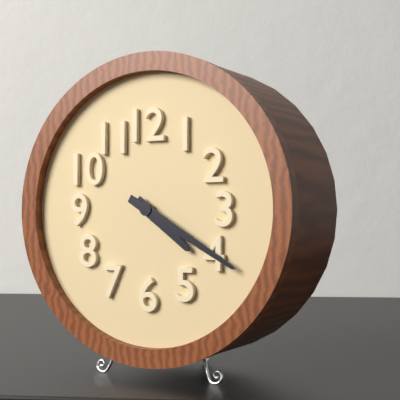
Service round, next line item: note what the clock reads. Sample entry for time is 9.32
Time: 4.20
